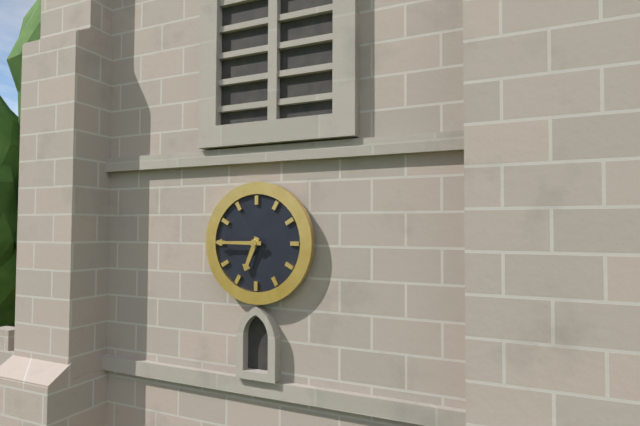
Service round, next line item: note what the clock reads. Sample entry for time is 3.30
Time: 6.45
